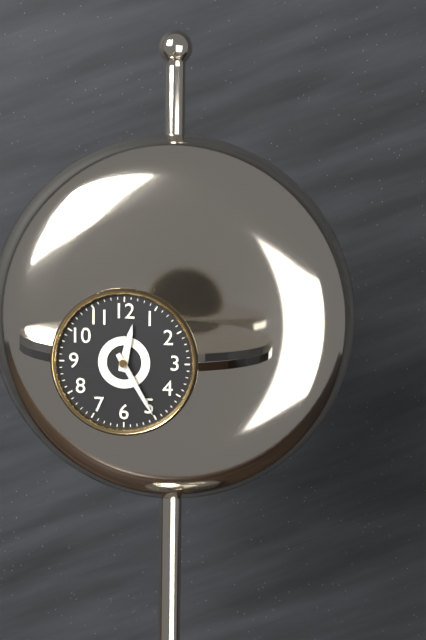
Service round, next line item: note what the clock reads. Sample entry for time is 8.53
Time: 12.25
